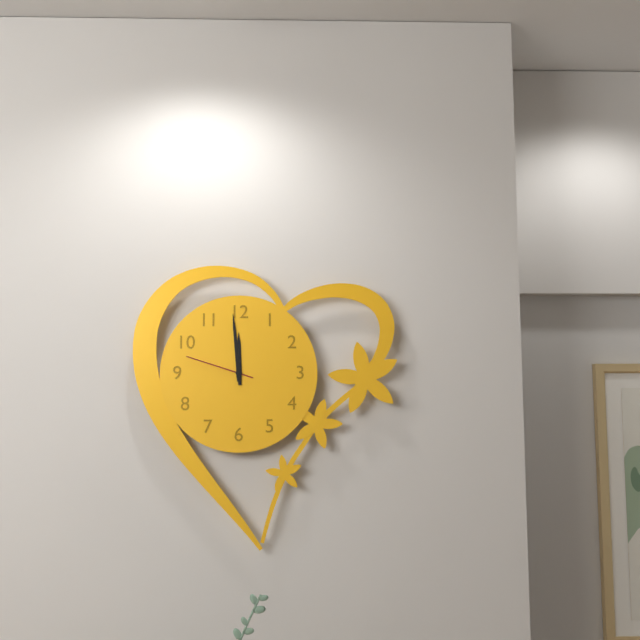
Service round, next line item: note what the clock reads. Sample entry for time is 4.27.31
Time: 11.59.48
